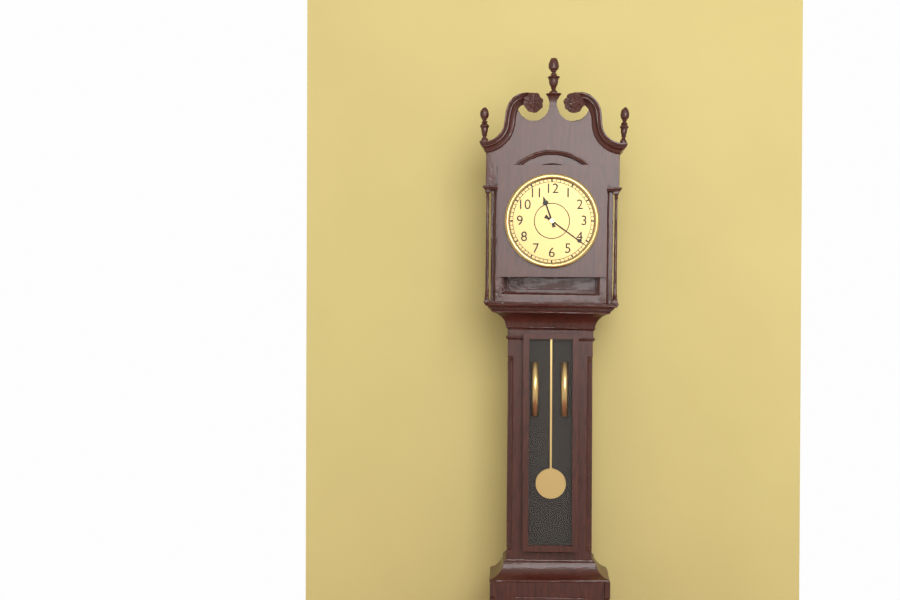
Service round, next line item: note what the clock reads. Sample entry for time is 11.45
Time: 11.21
